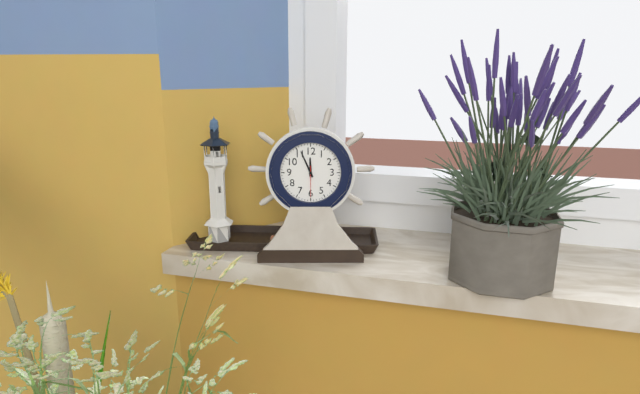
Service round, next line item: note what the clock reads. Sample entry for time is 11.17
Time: 11.56
